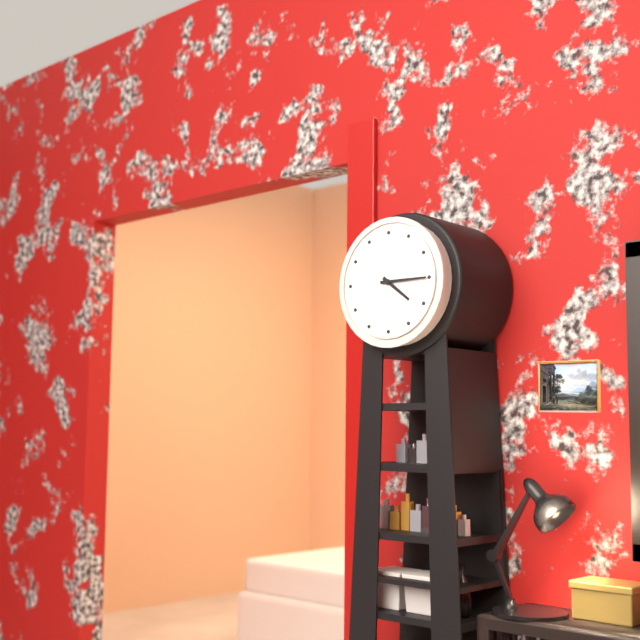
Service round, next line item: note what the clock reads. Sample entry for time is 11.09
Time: 4.15
